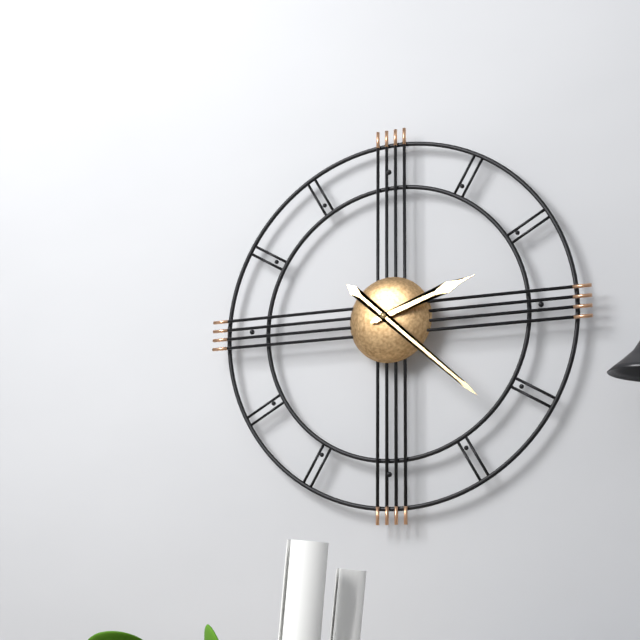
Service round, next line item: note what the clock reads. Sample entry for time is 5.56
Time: 2.22
